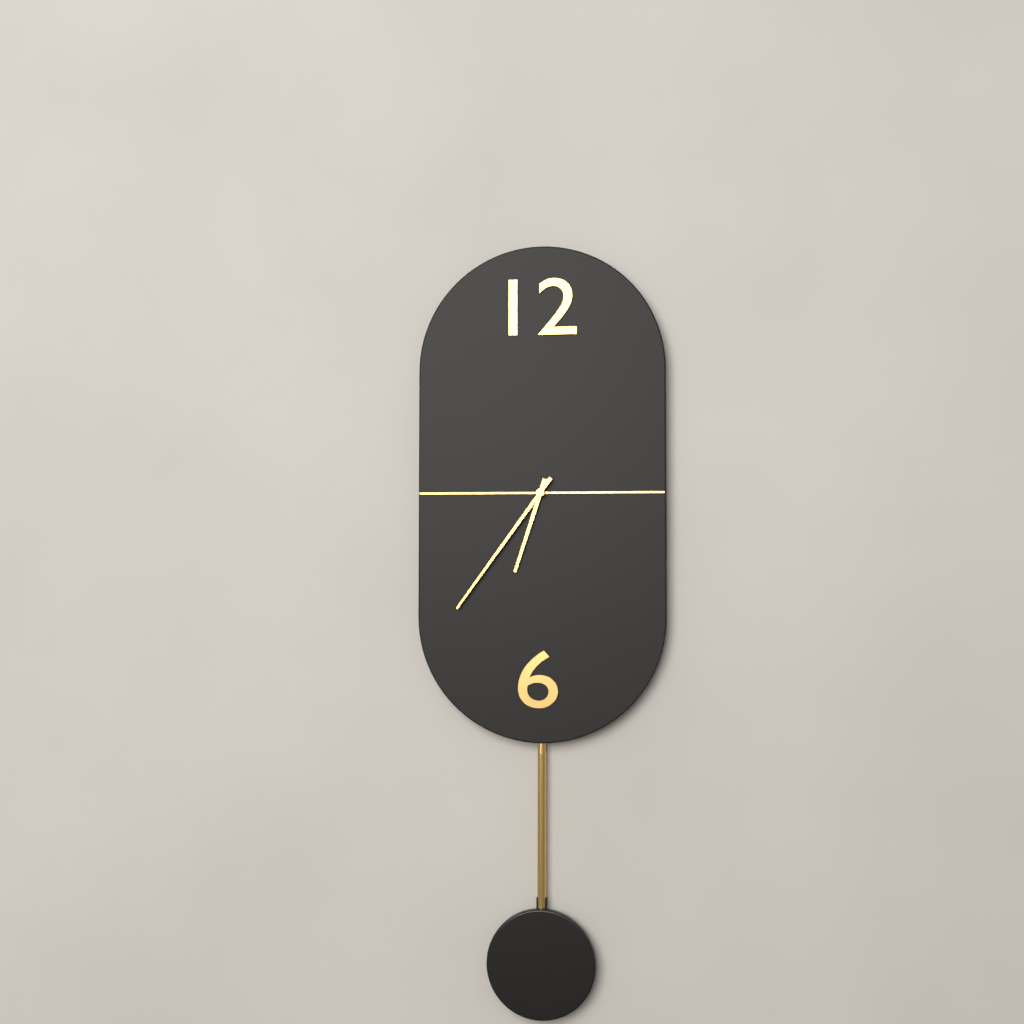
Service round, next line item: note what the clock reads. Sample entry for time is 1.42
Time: 6.36
